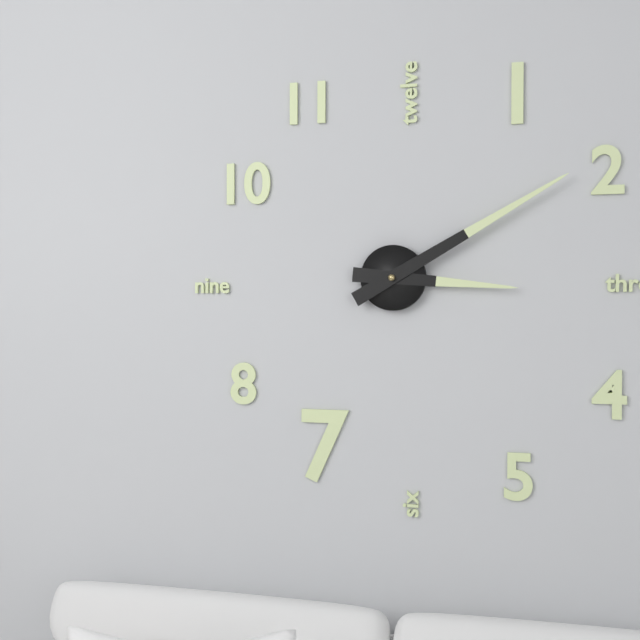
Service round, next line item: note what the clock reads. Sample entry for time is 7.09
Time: 3.10
